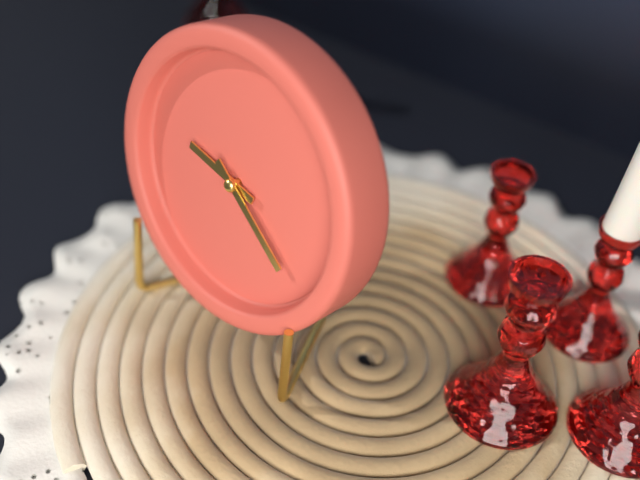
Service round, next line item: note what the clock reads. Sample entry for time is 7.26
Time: 9.21
